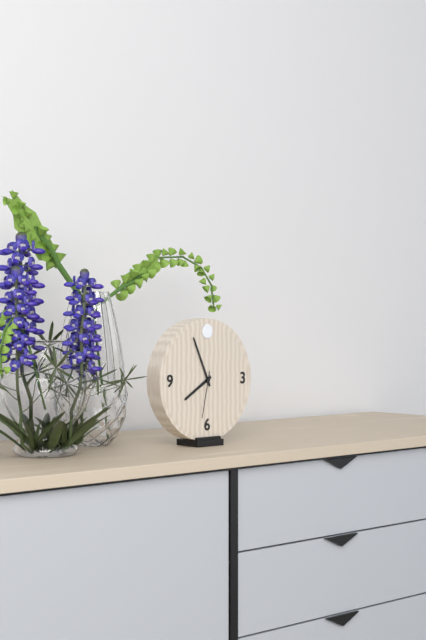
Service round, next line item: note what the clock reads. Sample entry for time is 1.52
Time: 7.56
